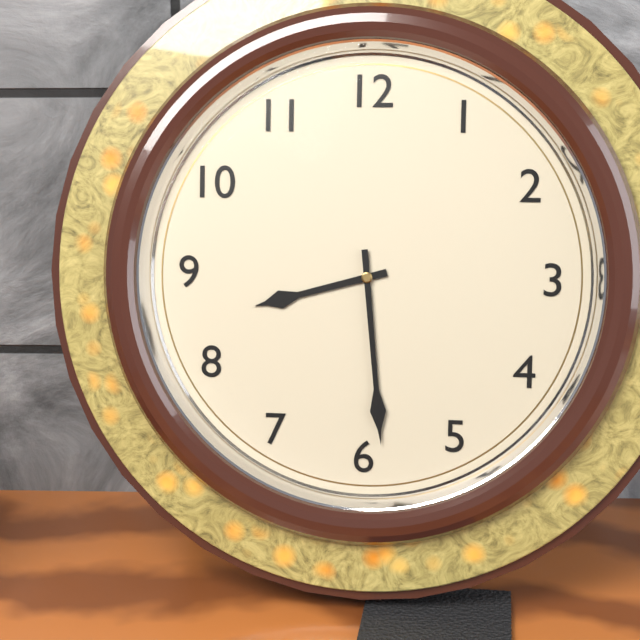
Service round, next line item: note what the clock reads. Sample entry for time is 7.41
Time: 8.29
